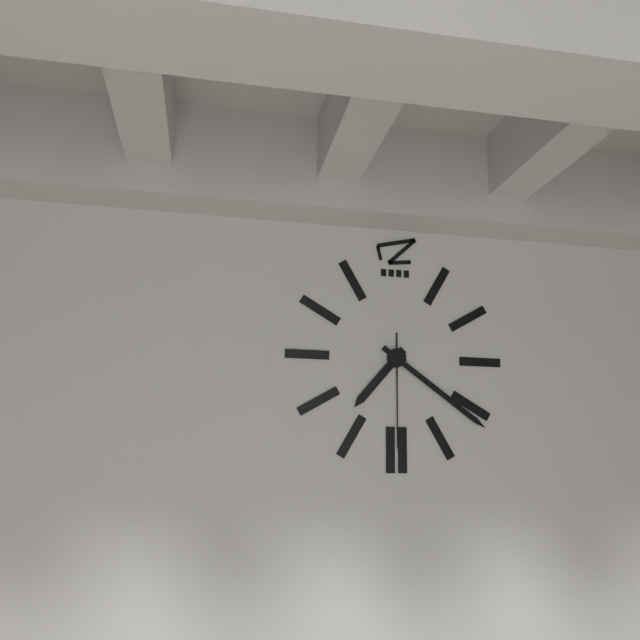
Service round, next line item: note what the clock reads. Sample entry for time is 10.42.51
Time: 7.21.30
